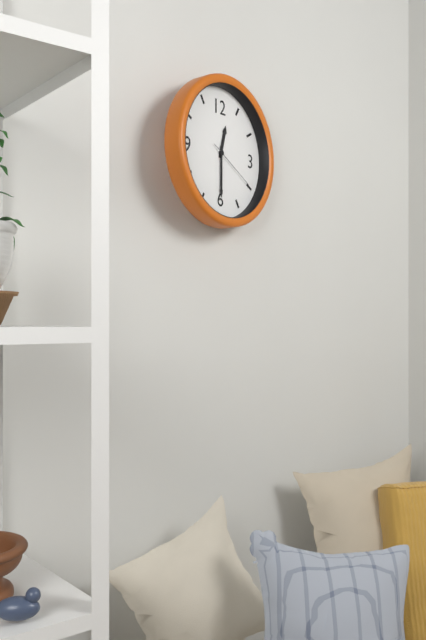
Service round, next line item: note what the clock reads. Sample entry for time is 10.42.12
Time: 12.30.20
